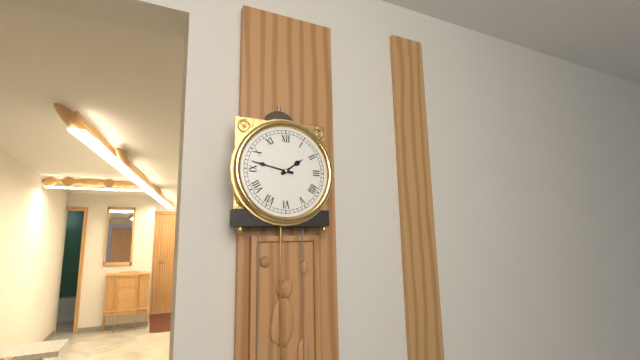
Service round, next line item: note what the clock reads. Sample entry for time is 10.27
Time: 1.47
